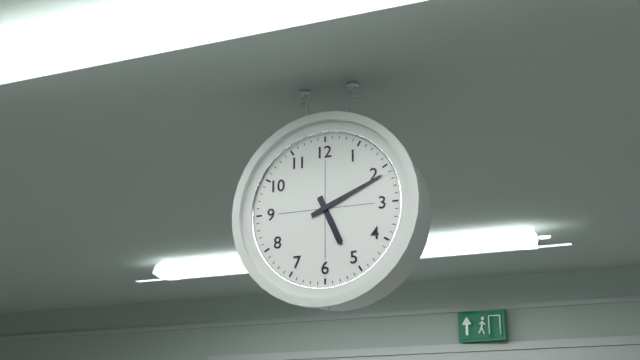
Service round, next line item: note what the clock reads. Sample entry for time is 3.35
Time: 5.11
